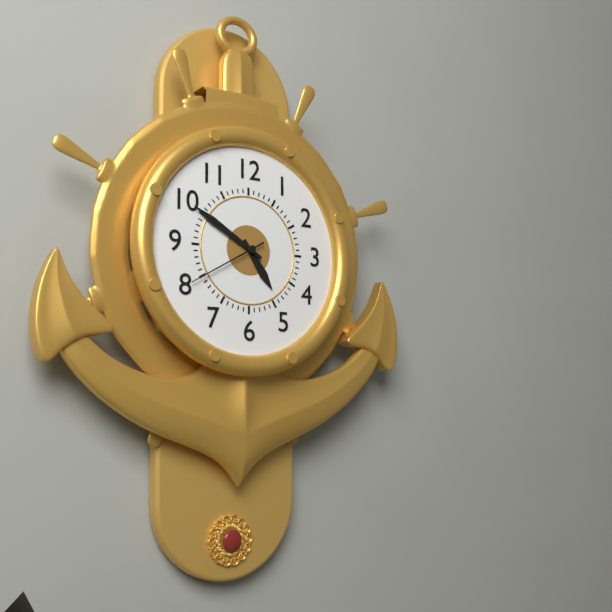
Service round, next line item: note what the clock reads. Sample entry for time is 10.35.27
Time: 4.50.40
